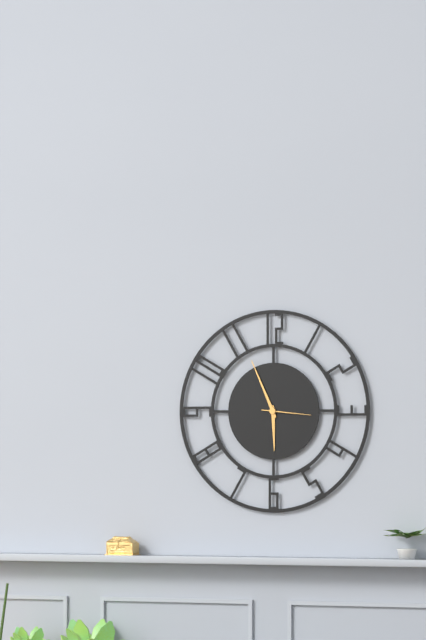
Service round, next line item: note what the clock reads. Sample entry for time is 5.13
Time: 5.56
